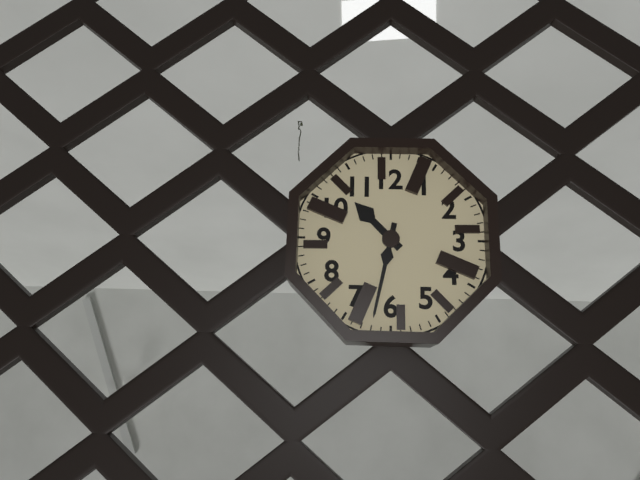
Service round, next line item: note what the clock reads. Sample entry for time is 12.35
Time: 10.32
